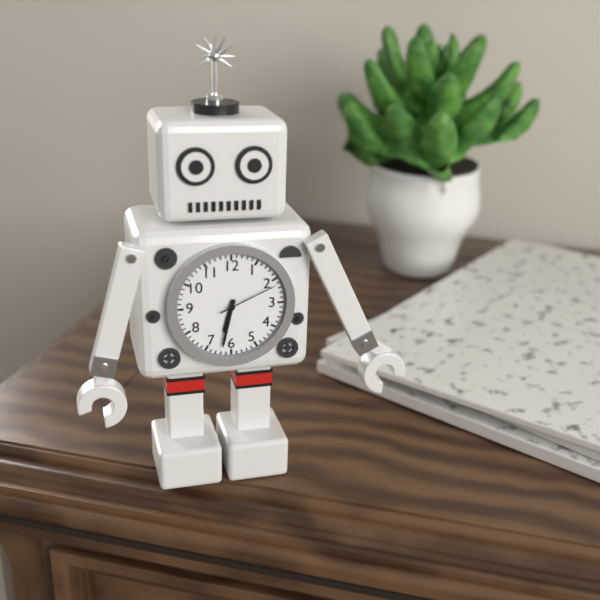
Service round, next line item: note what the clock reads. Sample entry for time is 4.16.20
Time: 6.32.11
